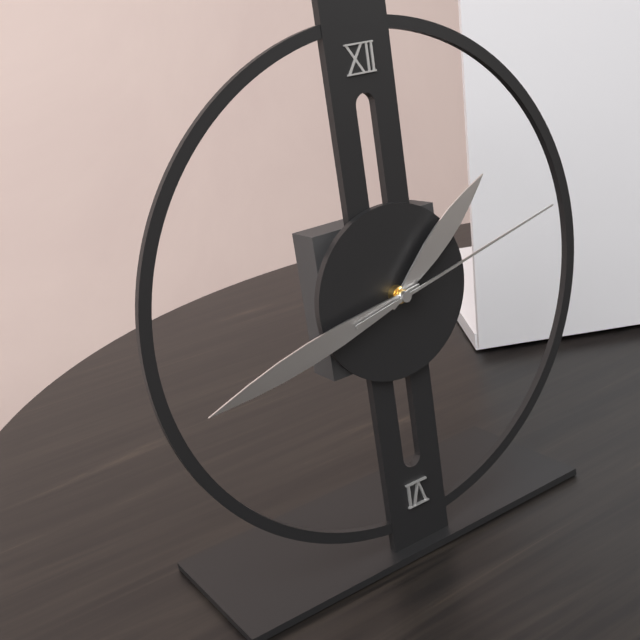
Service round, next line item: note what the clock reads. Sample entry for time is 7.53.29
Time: 1.43.13
